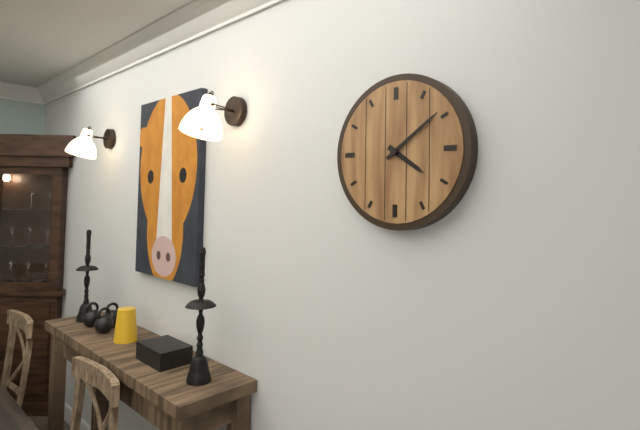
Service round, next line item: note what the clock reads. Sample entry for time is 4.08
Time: 4.09
